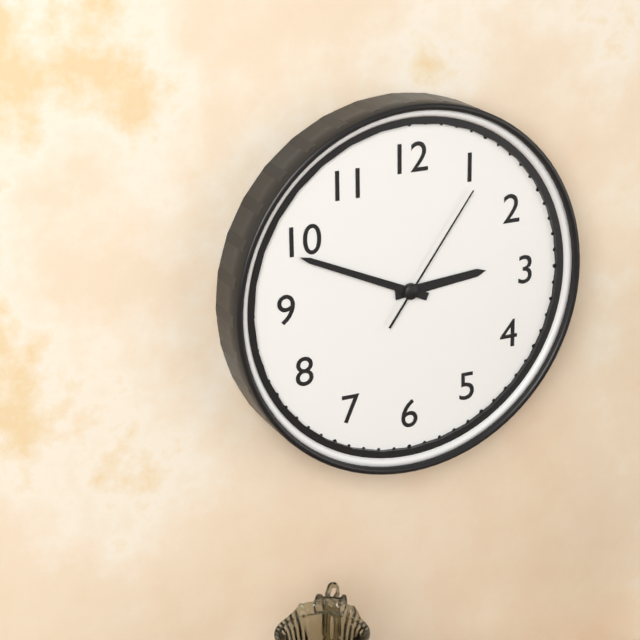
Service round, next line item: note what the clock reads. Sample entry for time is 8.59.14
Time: 2.49.06
